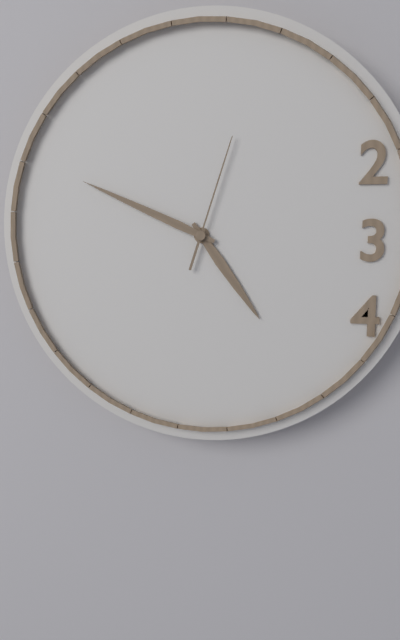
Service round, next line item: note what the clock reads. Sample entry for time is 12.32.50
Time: 4.49.03
